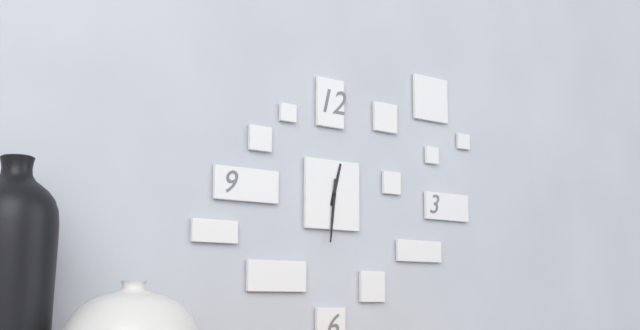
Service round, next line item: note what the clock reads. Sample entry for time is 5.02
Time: 12.31
